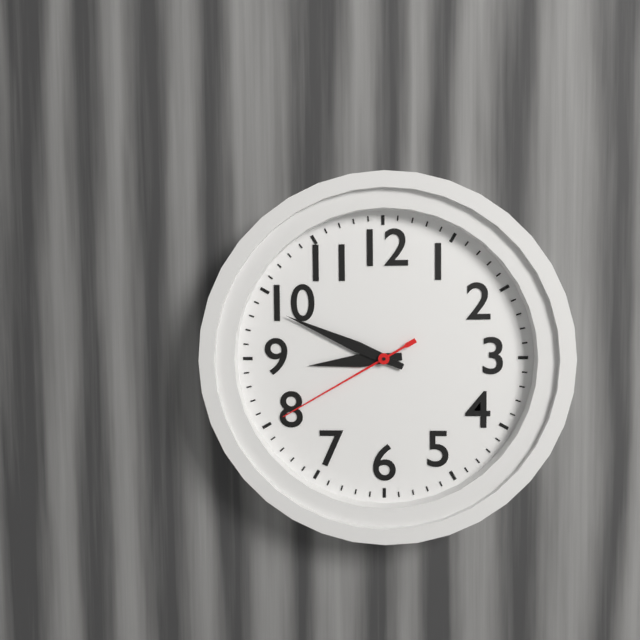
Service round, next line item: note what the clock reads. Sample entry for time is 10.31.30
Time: 8.49.40
